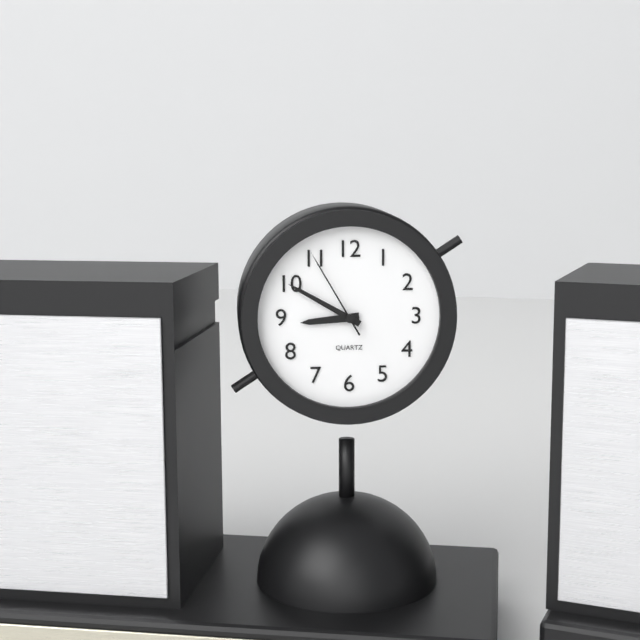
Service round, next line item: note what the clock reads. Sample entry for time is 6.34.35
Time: 8.50.55
